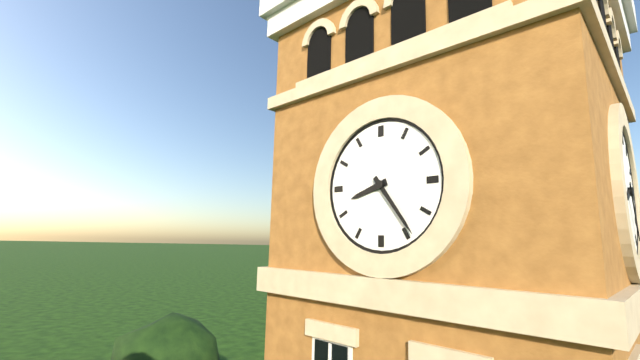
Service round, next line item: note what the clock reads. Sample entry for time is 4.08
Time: 8.24
